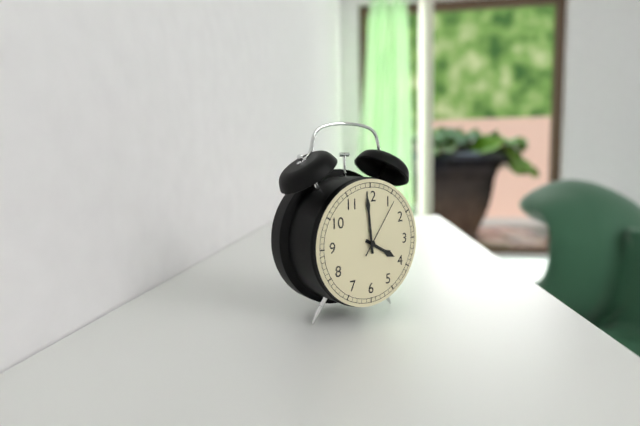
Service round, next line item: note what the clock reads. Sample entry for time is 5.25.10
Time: 3.59.06
